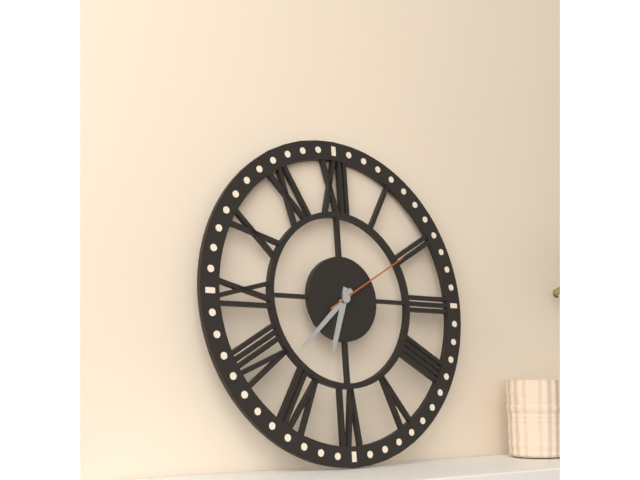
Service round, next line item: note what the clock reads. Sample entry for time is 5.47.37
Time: 6.38.10
